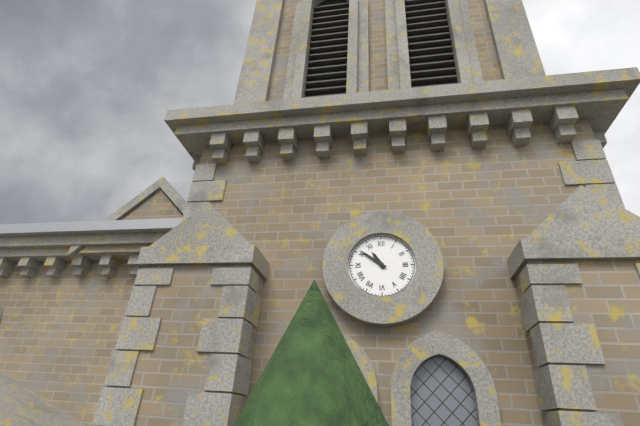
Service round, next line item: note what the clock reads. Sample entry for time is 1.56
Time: 10.51
